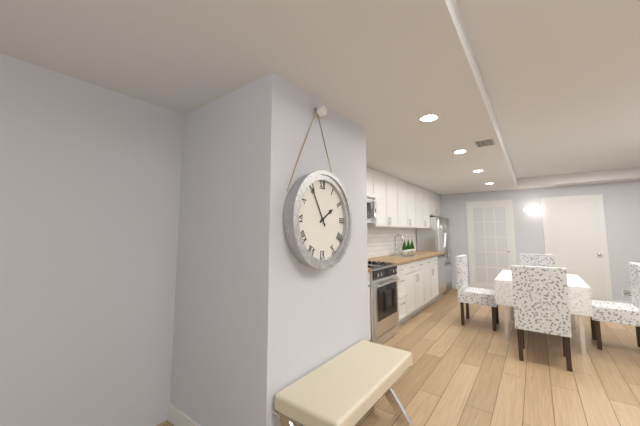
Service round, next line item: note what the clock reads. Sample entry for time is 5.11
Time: 1.55
